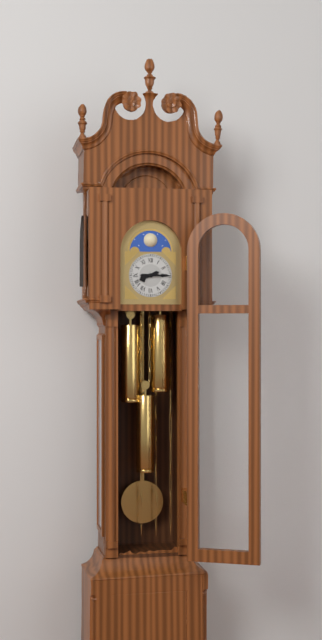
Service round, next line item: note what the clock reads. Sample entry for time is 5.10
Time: 8.15
